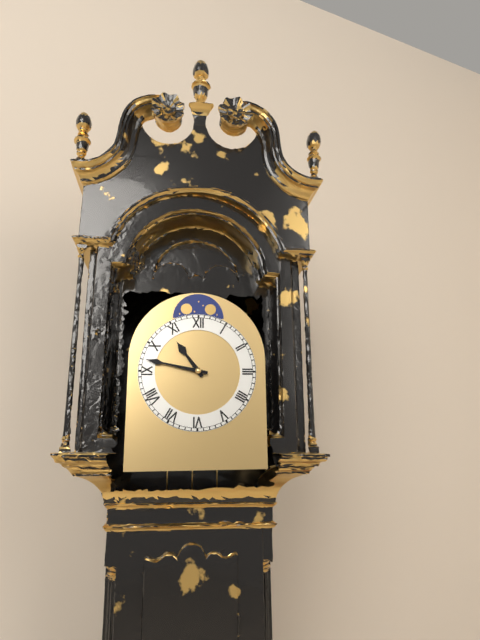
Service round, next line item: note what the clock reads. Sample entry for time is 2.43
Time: 10.47
